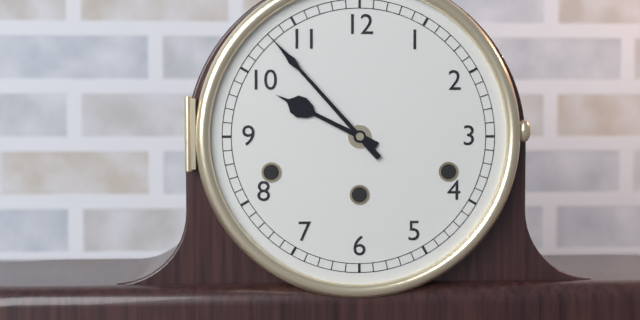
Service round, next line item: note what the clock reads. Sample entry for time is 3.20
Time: 9.53
